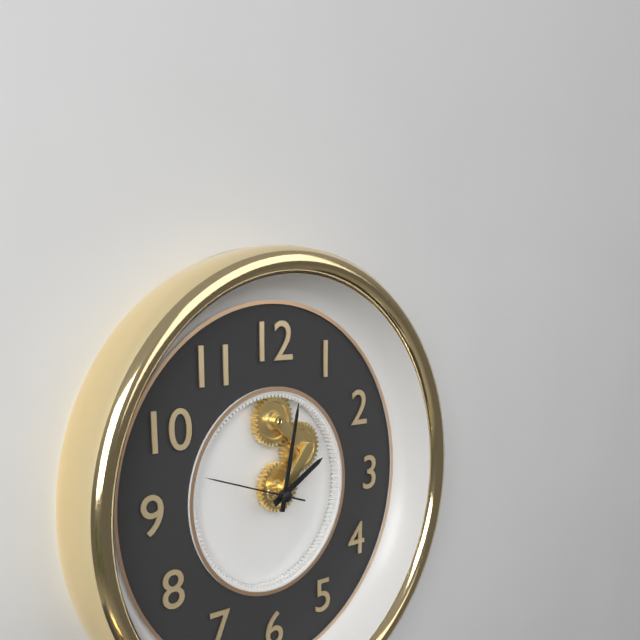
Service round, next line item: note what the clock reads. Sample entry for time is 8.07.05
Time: 2.02.48
